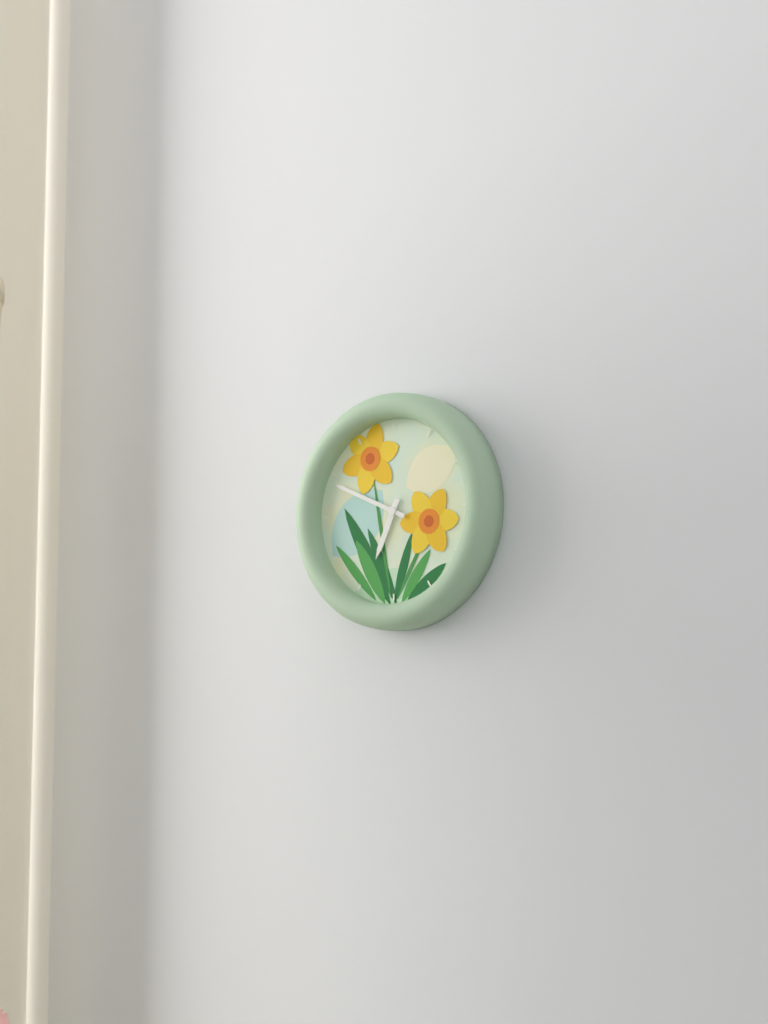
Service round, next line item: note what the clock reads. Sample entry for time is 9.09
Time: 6.49
